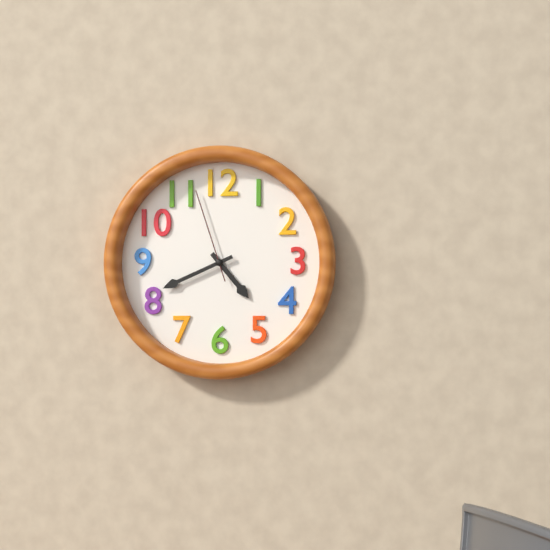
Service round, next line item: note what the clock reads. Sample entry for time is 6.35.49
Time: 4.41.57
